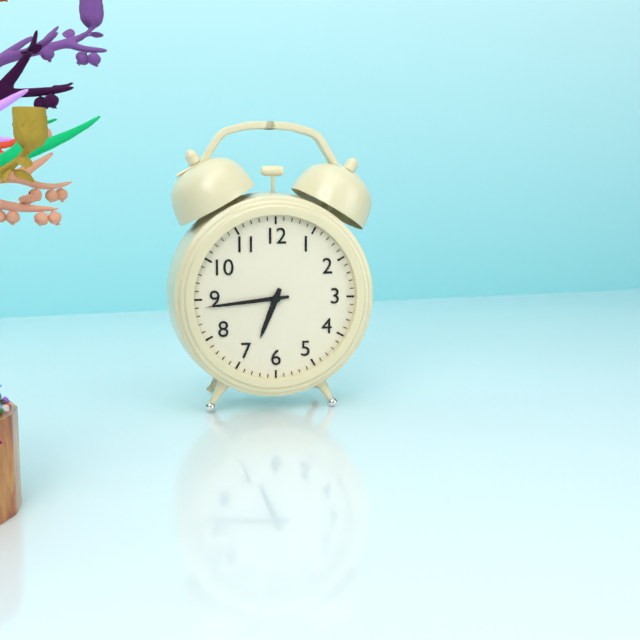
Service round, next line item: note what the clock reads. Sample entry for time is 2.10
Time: 6.44
